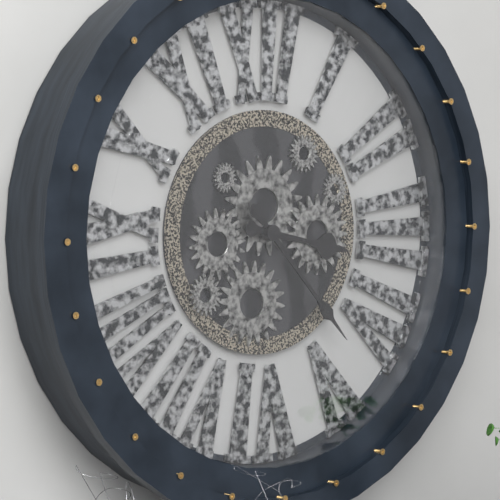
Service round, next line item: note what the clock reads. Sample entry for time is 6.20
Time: 3.23
